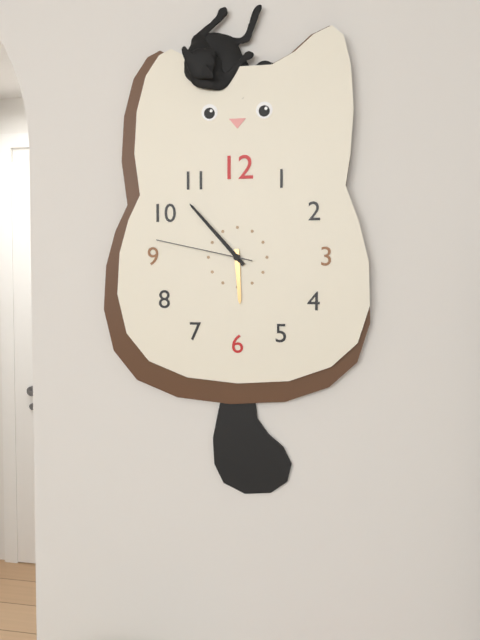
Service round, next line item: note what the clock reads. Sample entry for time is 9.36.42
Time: 5.53.47
